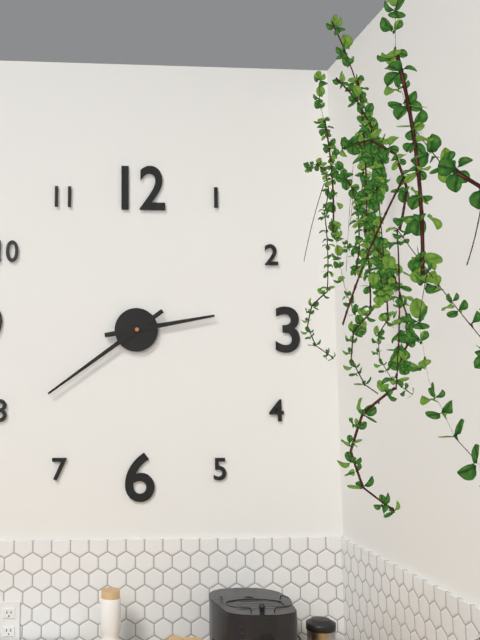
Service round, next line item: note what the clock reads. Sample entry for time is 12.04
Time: 2.39
